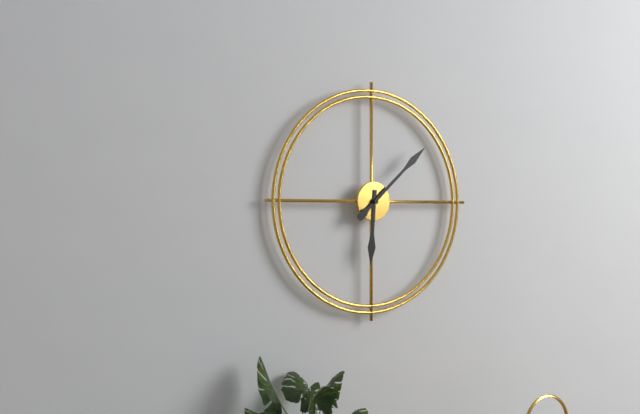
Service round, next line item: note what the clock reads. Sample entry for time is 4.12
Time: 6.08
